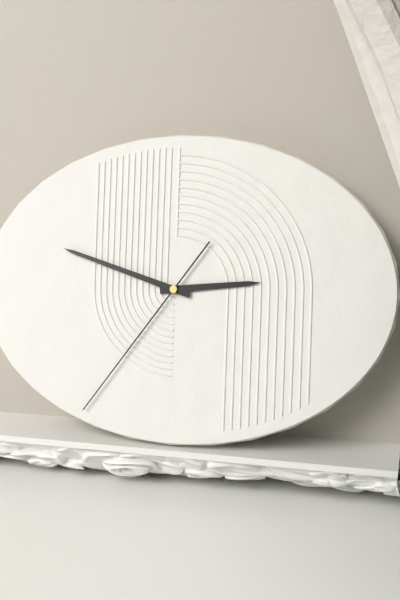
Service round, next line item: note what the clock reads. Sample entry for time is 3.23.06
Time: 2.48.36
